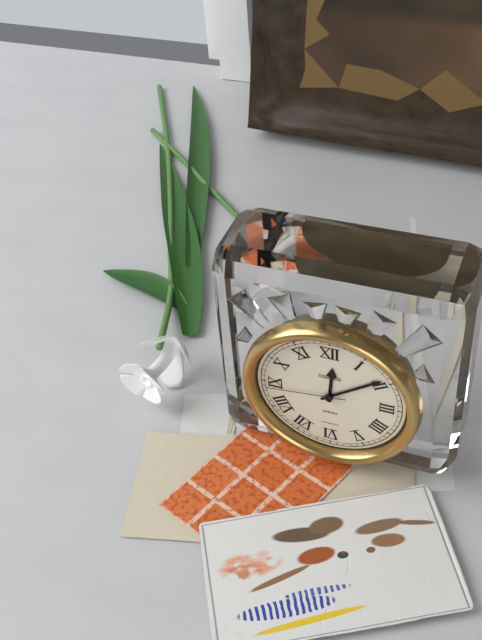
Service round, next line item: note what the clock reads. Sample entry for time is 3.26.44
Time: 12.09.44
